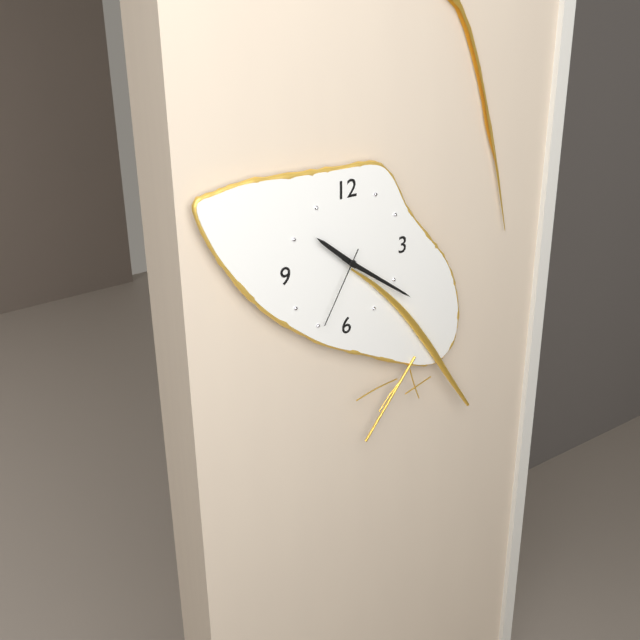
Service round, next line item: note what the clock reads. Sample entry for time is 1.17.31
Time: 10.21.35
